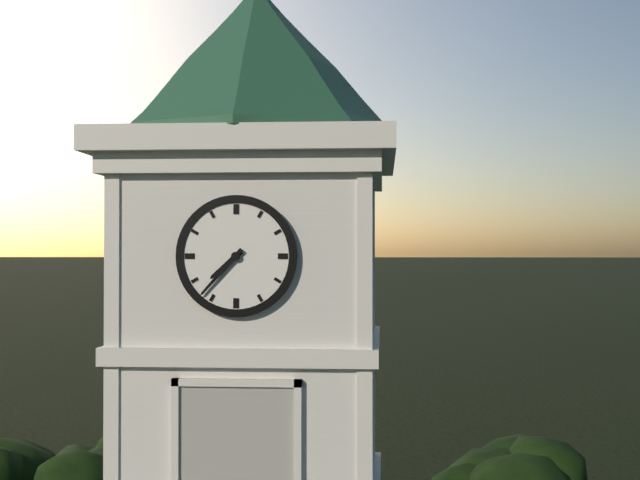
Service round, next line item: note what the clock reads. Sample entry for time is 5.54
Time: 7.37
